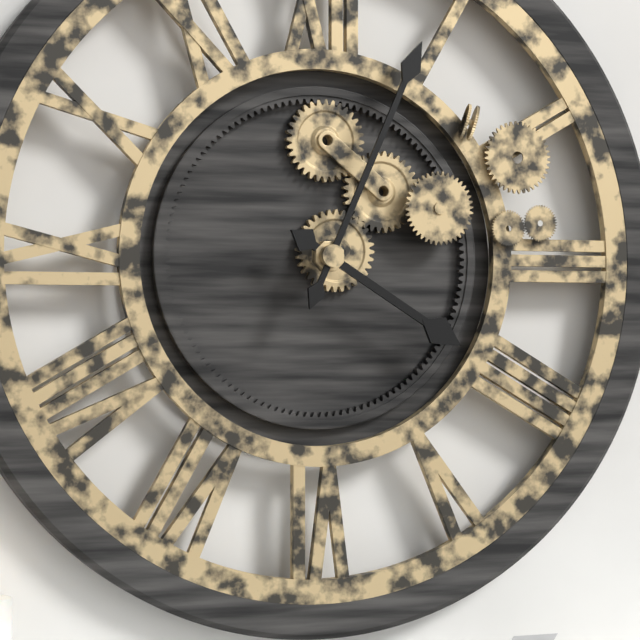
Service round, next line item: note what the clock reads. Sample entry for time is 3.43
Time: 4.04
